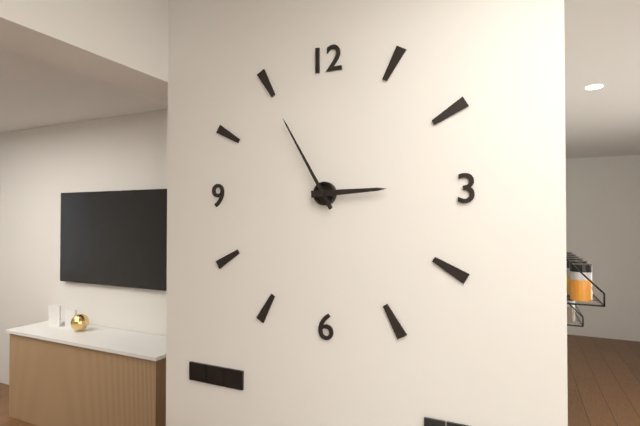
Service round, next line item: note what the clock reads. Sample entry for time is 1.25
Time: 2.55
